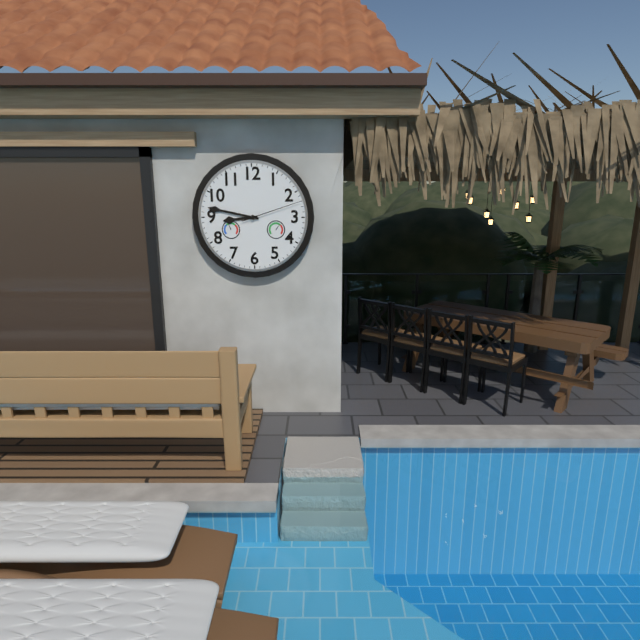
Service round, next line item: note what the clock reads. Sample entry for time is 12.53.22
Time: 8.47.12
